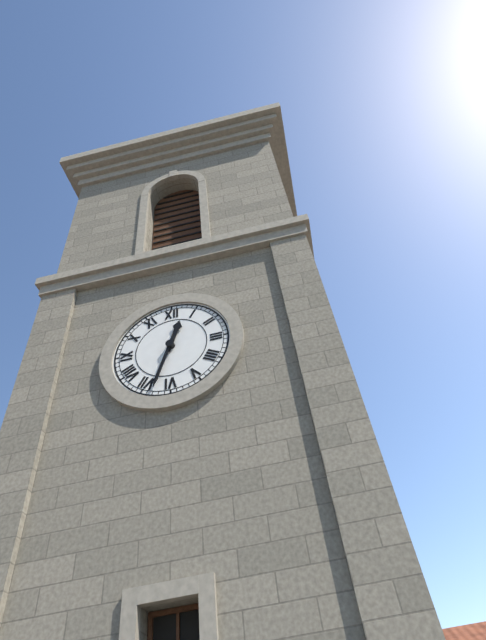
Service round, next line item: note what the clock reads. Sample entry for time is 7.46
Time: 12.33
